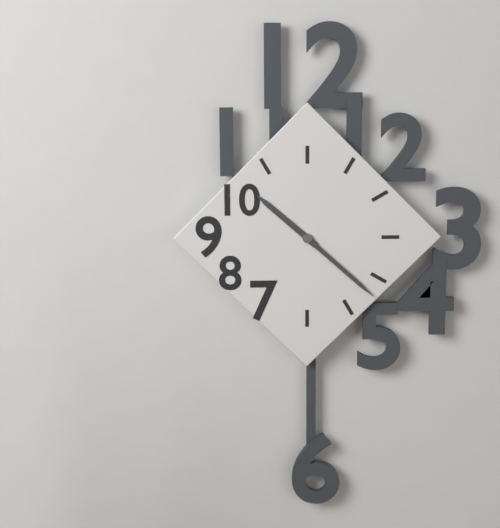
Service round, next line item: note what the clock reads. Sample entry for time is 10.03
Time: 10.22
